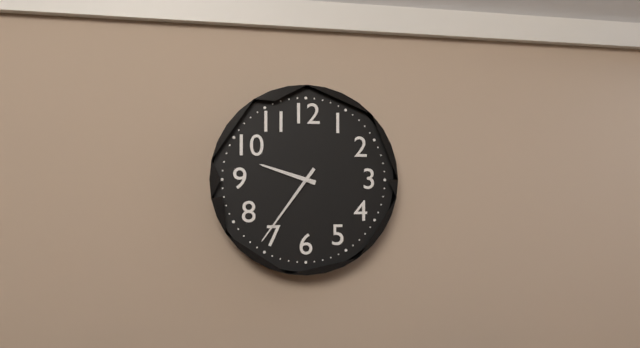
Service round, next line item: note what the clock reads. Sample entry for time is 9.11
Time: 9.36
